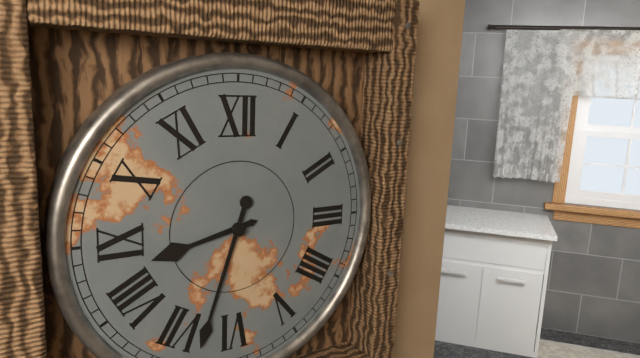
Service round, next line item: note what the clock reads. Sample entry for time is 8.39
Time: 8.33
